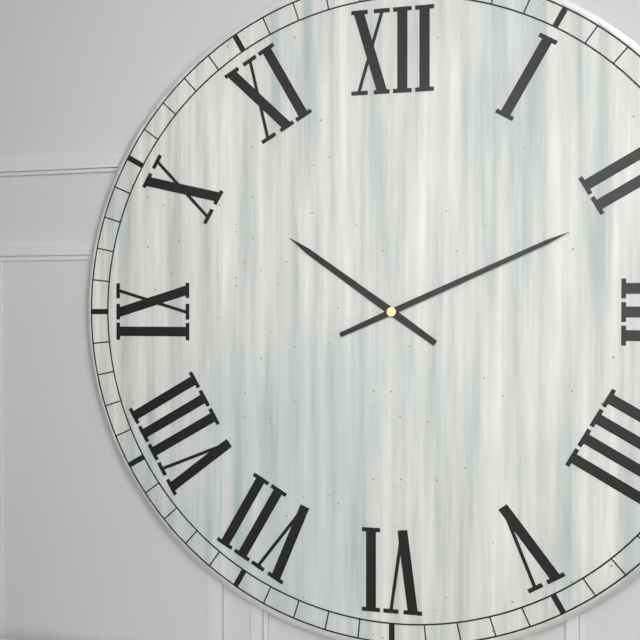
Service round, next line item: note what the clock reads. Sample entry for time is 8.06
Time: 10.11
